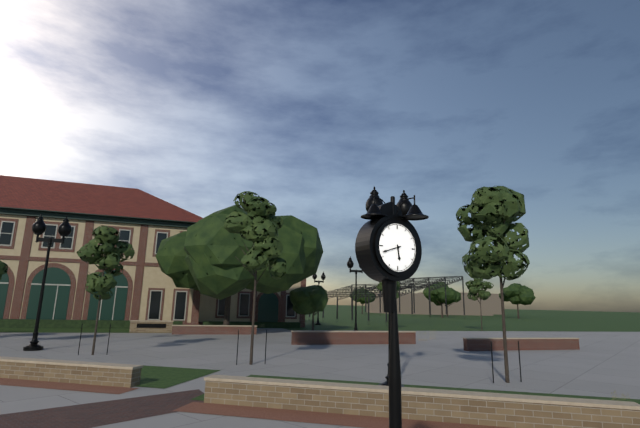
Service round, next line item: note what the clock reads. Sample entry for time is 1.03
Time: 5.42
